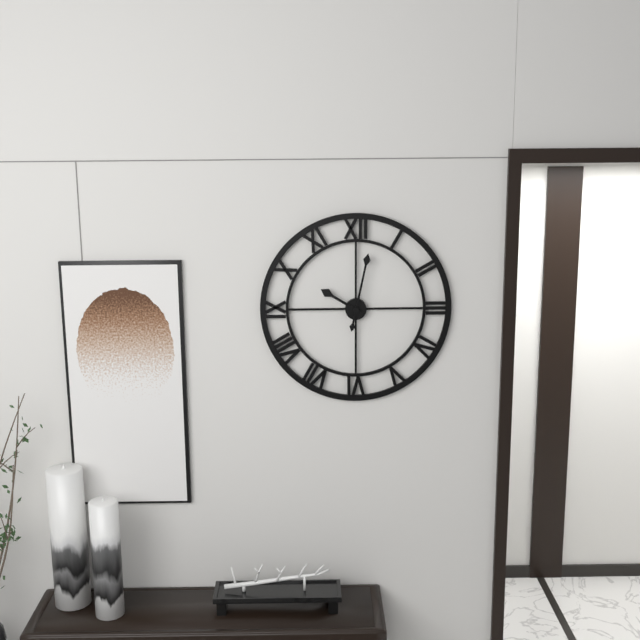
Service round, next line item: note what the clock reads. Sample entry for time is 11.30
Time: 10.02
